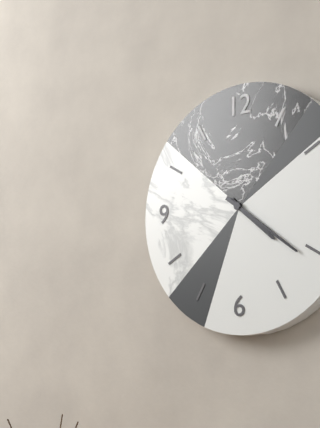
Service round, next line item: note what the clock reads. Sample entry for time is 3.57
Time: 4.21
